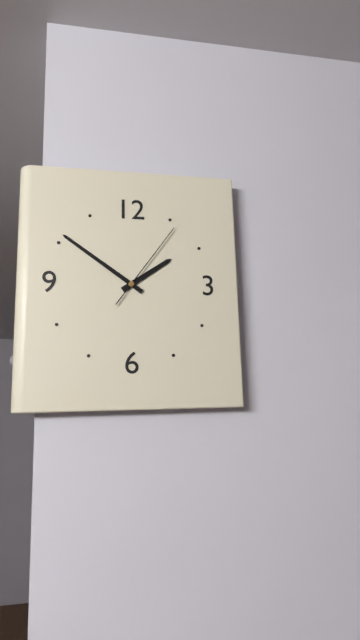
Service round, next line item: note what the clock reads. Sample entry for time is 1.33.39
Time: 1.51.06
